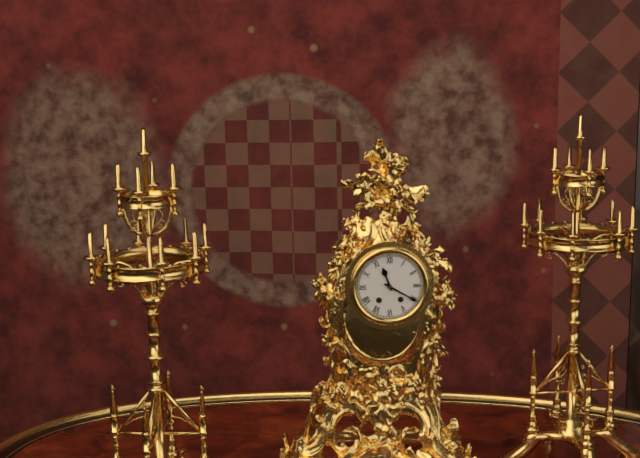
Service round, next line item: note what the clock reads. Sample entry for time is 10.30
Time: 11.20
